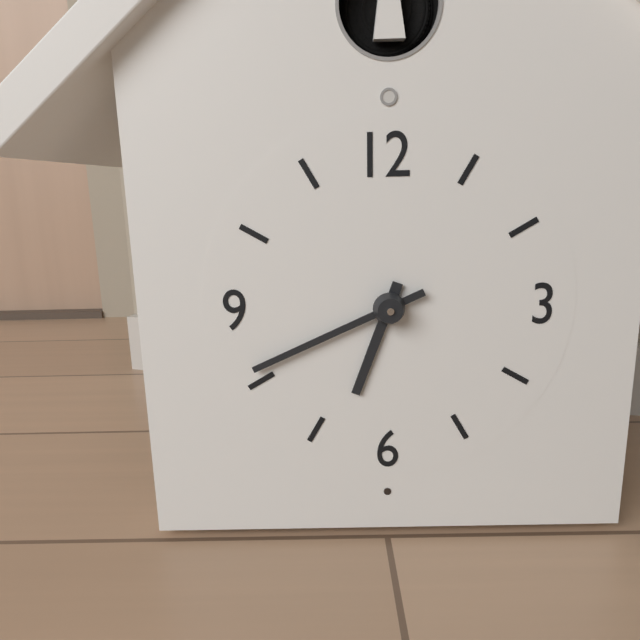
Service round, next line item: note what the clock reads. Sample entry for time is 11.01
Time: 6.41
